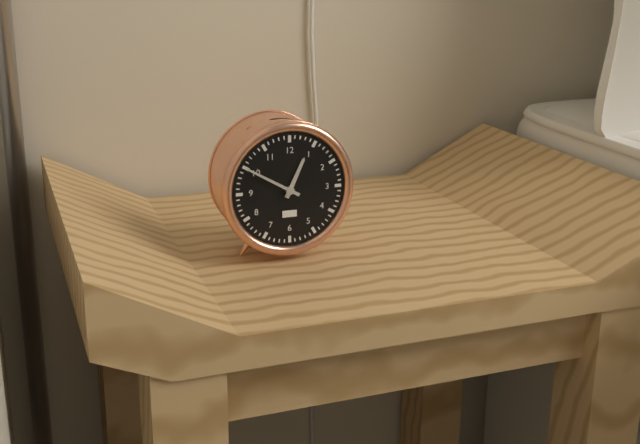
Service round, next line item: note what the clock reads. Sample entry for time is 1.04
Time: 12.50
